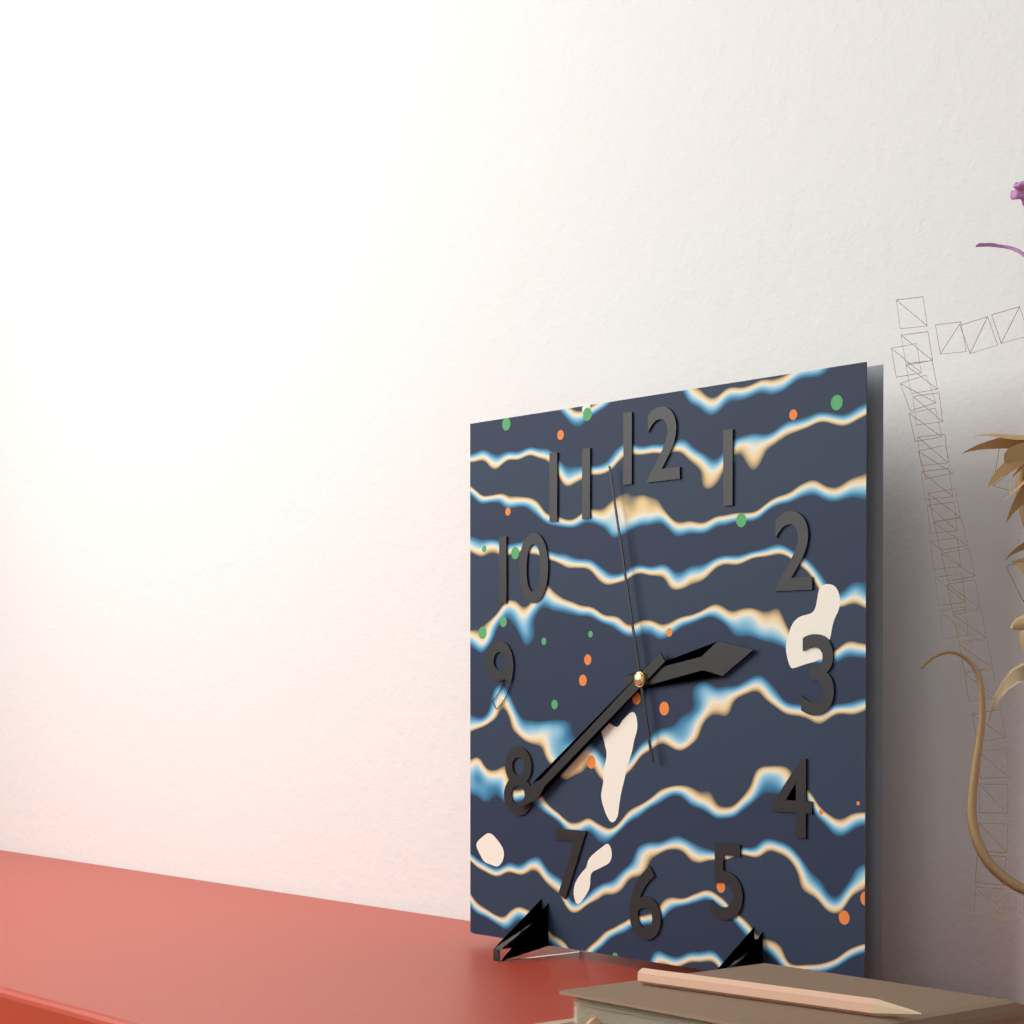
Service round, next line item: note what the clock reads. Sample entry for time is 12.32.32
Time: 2.39.58
